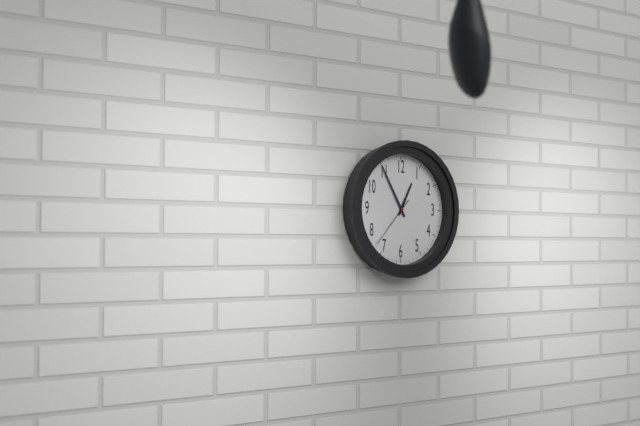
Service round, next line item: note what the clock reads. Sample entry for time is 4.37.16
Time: 12.55.37
